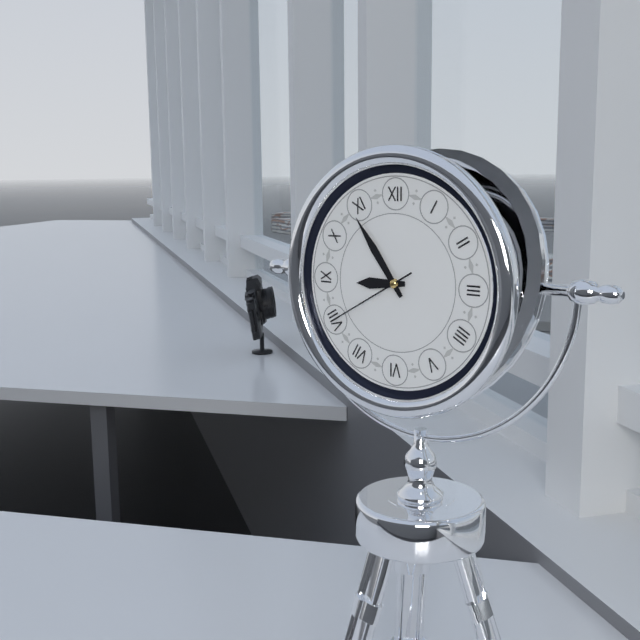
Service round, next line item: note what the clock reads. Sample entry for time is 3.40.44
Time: 8.54.40
